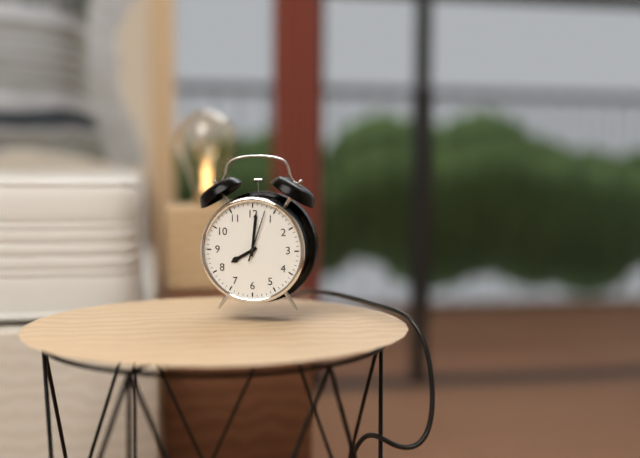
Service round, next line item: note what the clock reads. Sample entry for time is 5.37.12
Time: 8.01.03
